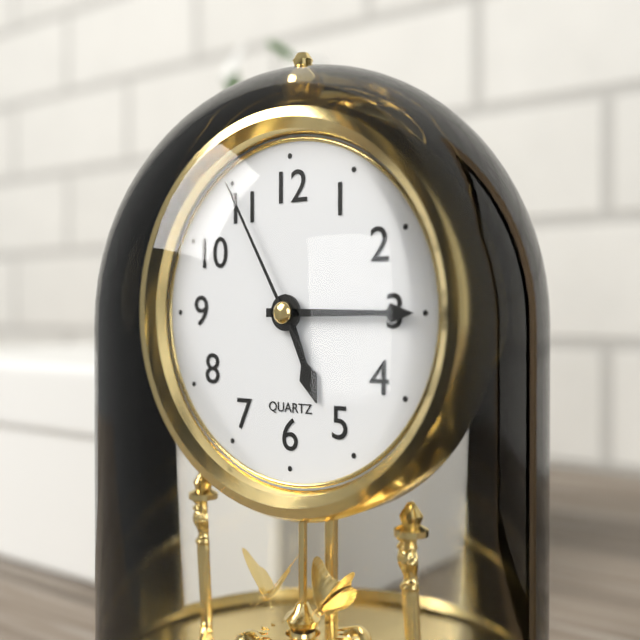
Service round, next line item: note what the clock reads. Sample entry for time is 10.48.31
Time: 5.15.55
